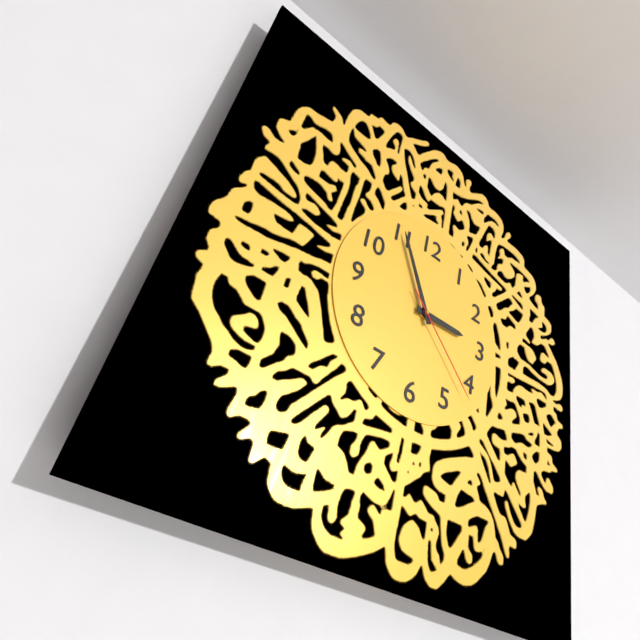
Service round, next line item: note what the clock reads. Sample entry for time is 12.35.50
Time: 2.55.22
